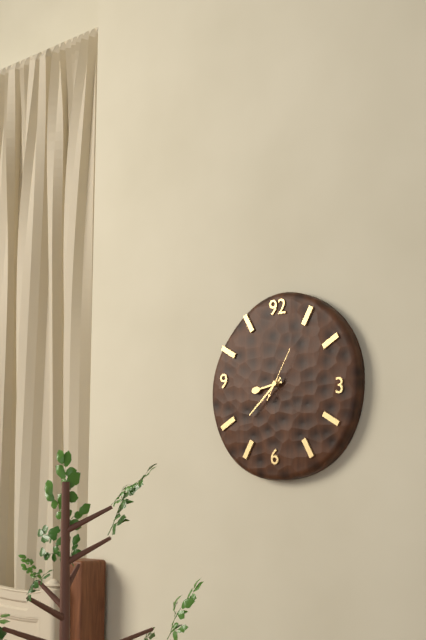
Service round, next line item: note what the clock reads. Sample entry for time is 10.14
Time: 8.38
